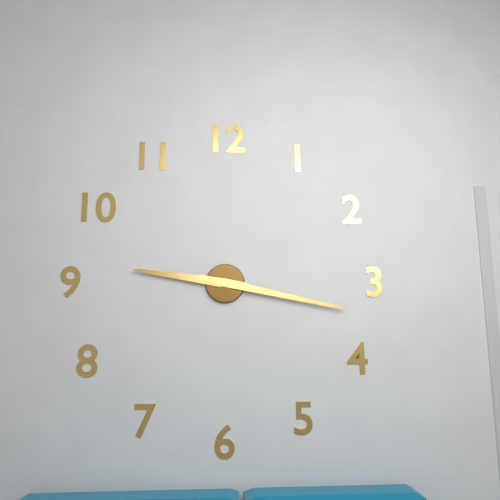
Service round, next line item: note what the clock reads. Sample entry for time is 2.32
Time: 9.17
